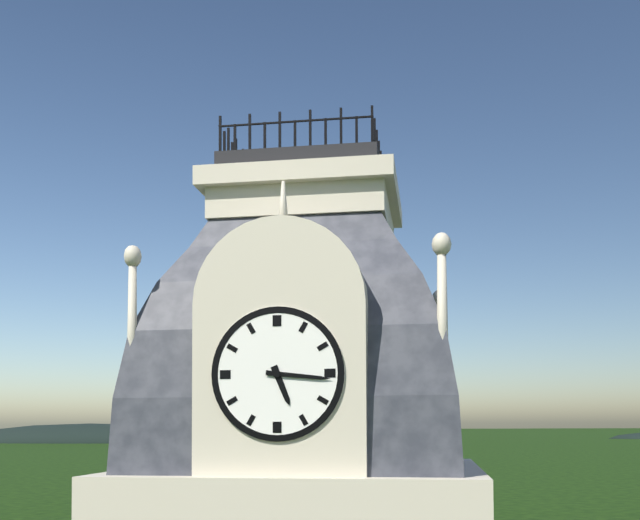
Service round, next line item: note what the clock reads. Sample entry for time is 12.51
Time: 5.16
